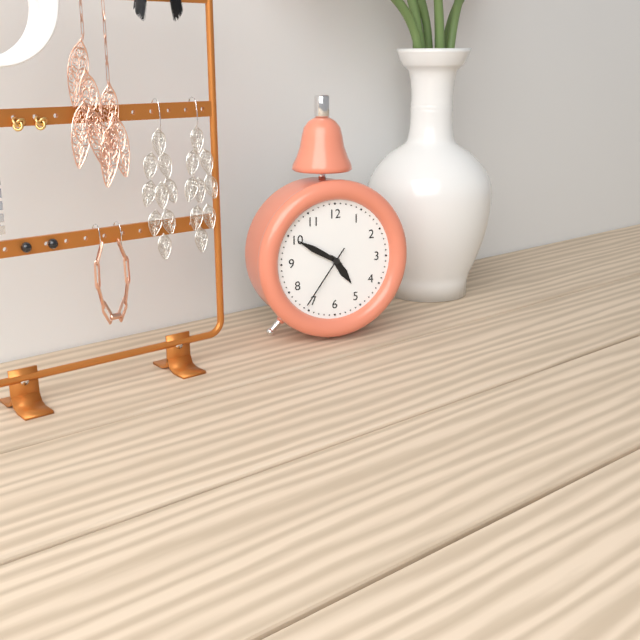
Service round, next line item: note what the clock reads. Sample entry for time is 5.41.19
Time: 4.50.36
